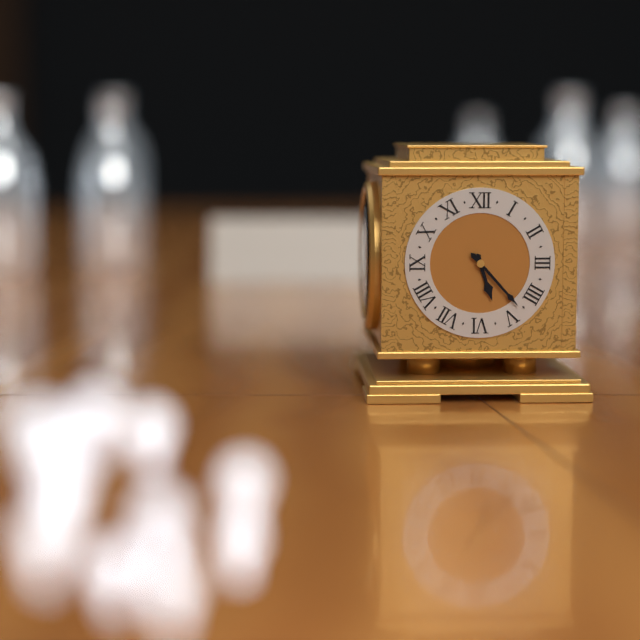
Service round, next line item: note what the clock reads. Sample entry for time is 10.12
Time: 5.23
